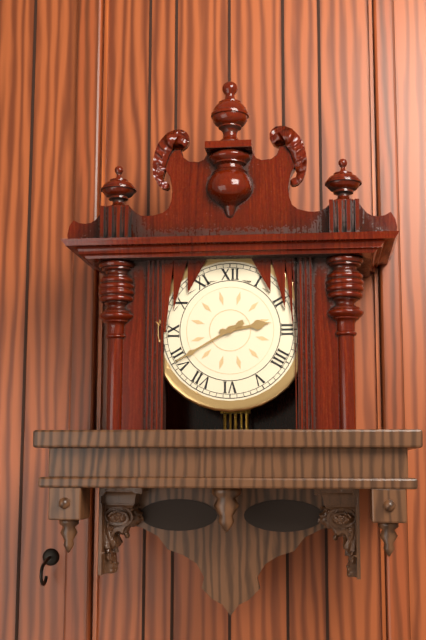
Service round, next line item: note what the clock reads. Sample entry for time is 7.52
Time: 2.40
